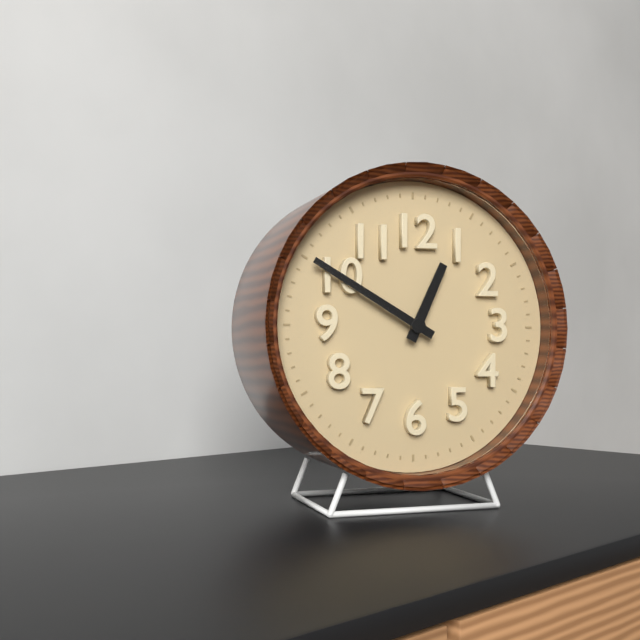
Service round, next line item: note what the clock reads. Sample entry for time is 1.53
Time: 12.50
